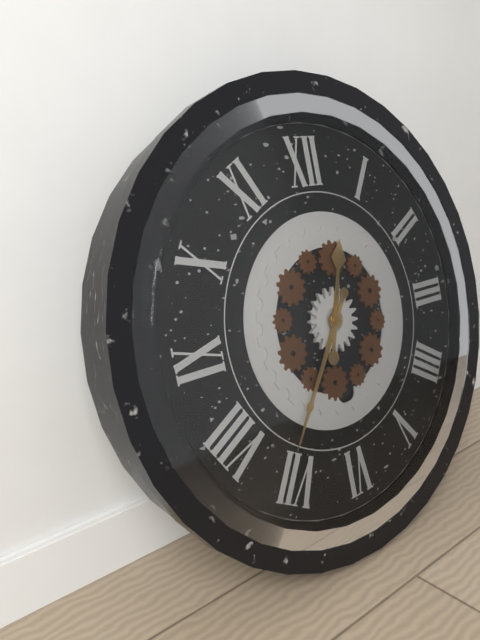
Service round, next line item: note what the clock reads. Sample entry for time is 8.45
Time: 12.36
